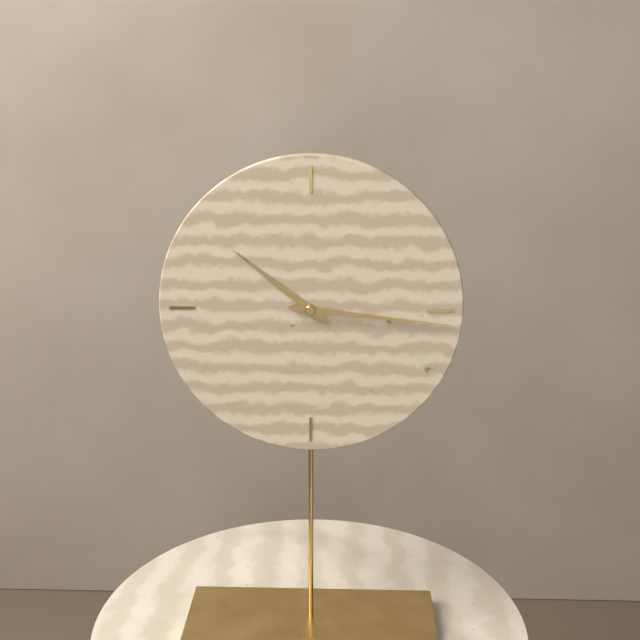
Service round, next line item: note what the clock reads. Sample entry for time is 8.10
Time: 10.16
